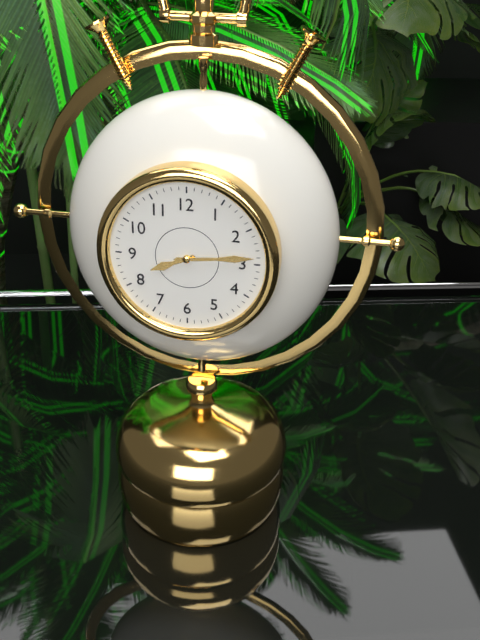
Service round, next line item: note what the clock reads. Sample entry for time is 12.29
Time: 8.14
